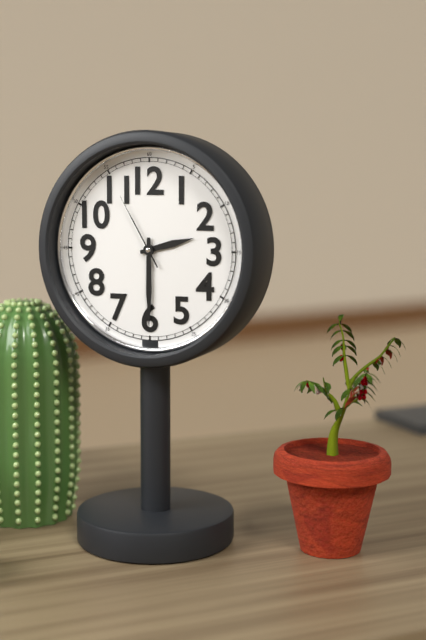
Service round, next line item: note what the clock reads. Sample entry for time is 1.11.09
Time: 2.30.55
